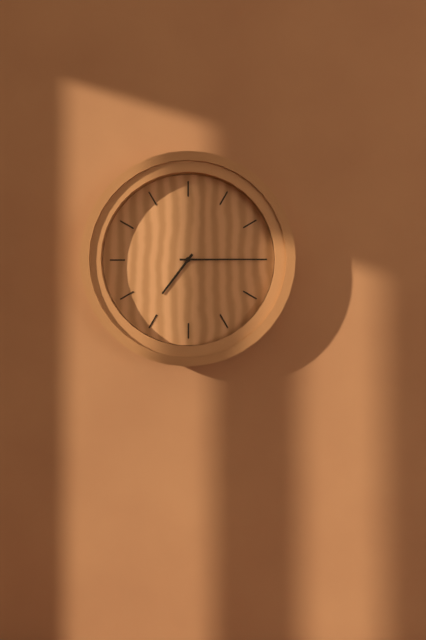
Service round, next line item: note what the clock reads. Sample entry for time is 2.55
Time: 7.15
